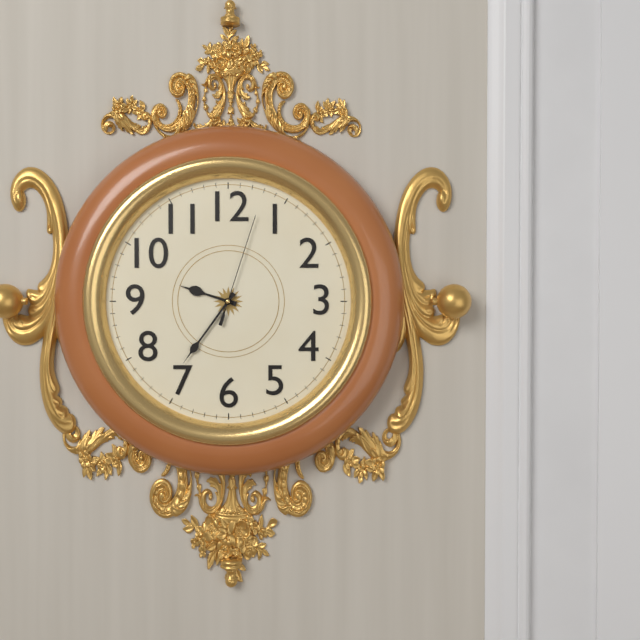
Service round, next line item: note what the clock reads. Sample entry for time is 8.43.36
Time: 9.36.03
